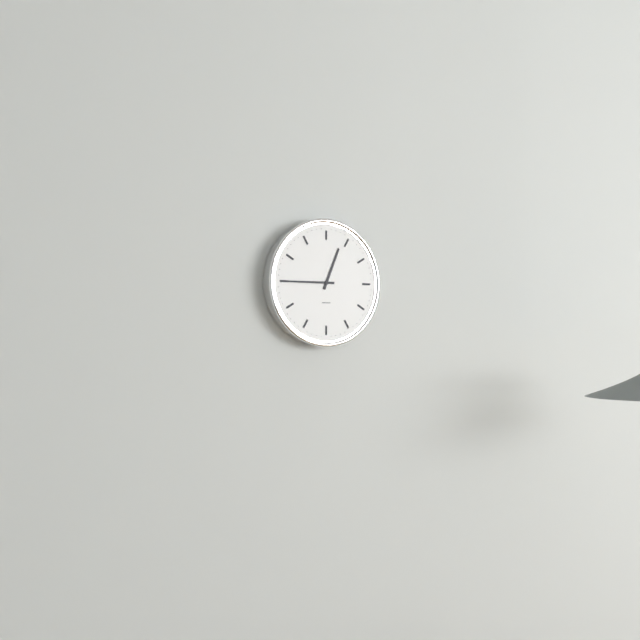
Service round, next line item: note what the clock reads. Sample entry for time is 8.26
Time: 12.45
